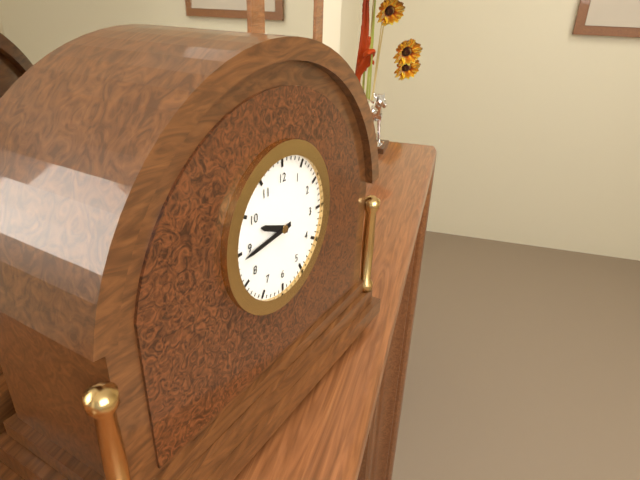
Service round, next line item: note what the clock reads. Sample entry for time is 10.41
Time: 9.44
